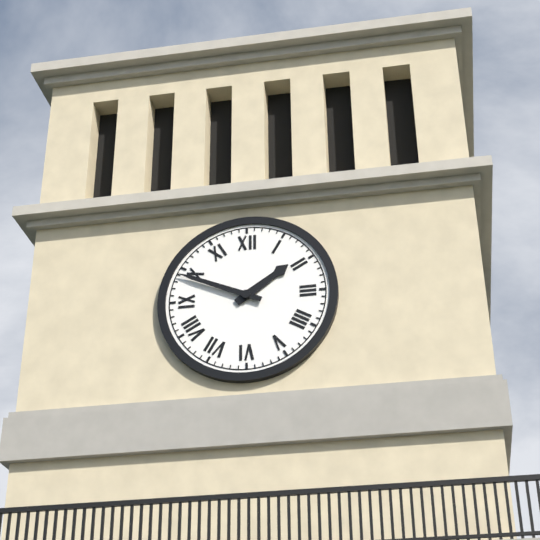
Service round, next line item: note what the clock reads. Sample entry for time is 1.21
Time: 1.49
